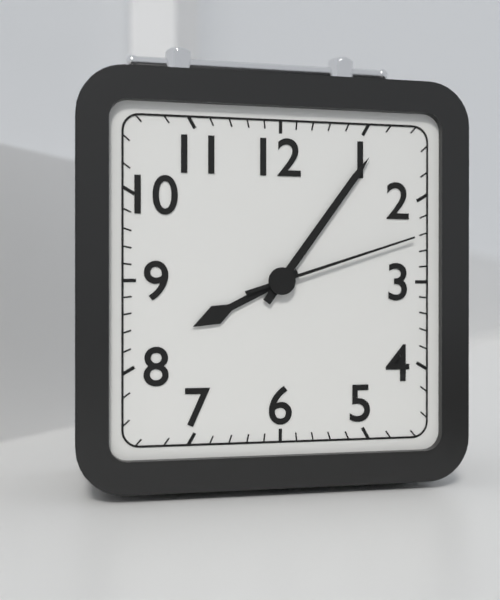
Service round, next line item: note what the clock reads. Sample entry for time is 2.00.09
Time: 8.06.12
